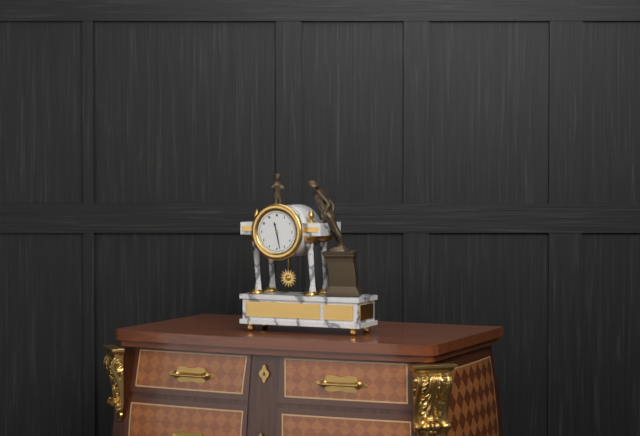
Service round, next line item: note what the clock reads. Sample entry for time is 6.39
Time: 11.28
